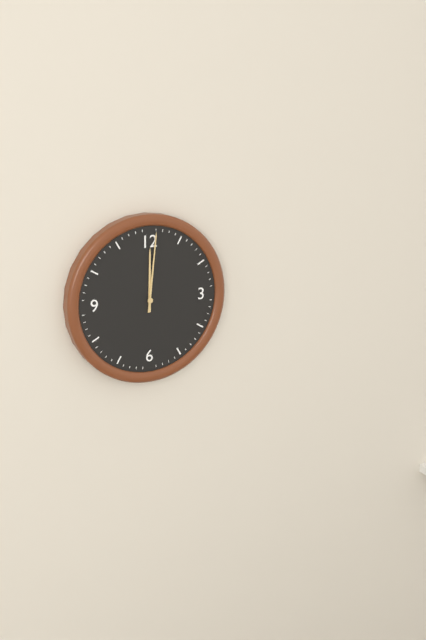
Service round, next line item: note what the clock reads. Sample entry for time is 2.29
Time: 12.01
